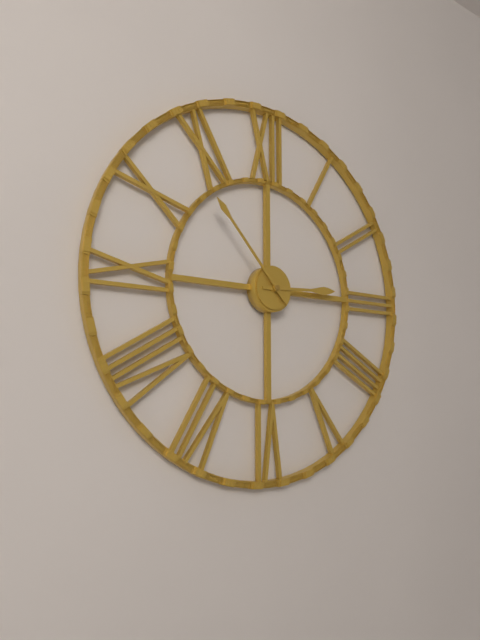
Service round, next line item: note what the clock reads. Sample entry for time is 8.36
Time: 2.53
